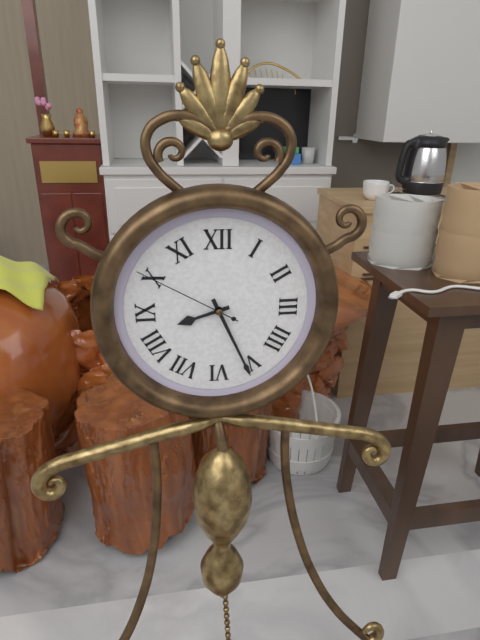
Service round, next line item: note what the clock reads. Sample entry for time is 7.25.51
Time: 8.26.50
